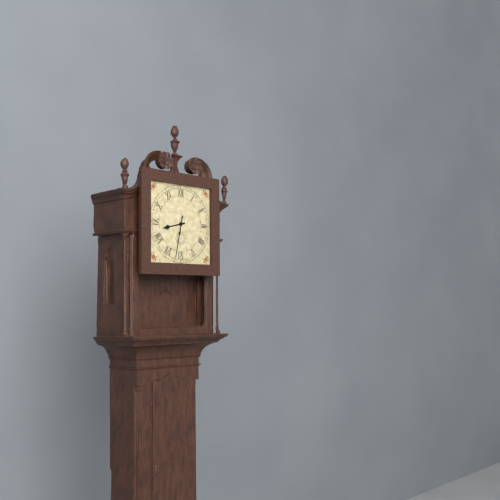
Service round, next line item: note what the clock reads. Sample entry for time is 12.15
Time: 8.32
